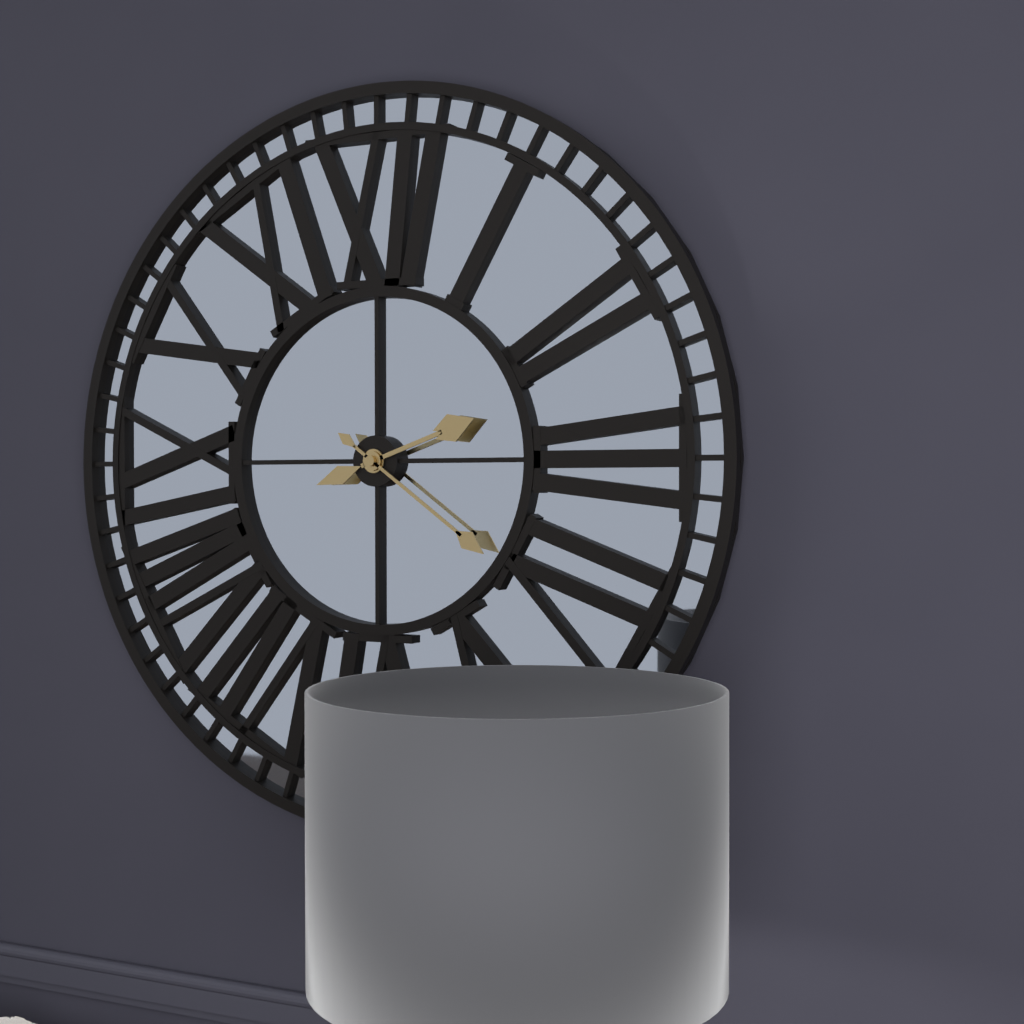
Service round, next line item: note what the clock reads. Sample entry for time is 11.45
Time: 2.21
